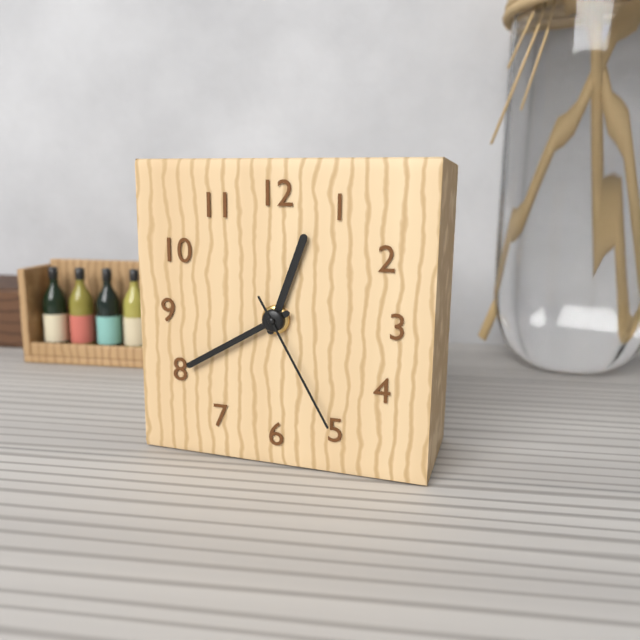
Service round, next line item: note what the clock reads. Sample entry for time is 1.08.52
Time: 12.40.25
